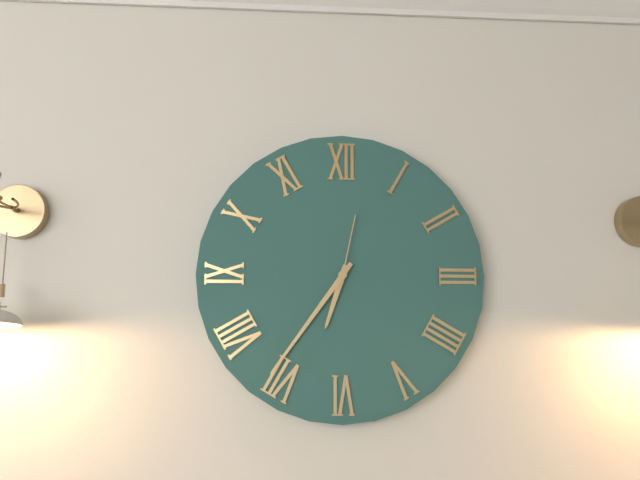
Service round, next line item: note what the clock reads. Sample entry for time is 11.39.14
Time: 6.36.02
